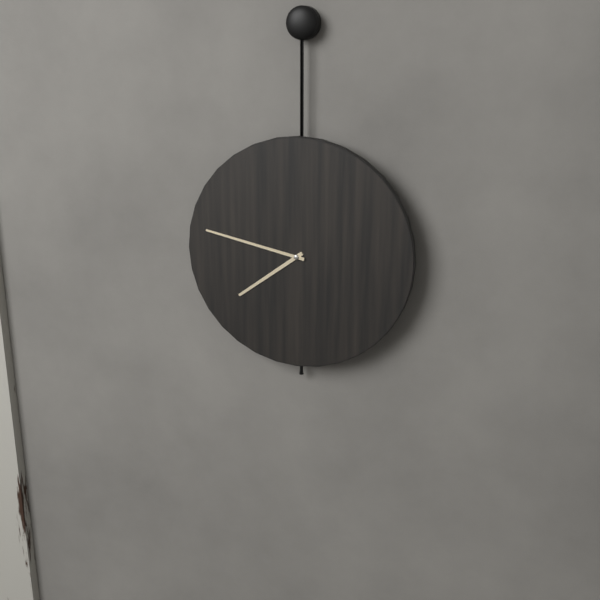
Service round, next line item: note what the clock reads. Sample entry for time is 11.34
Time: 7.47
